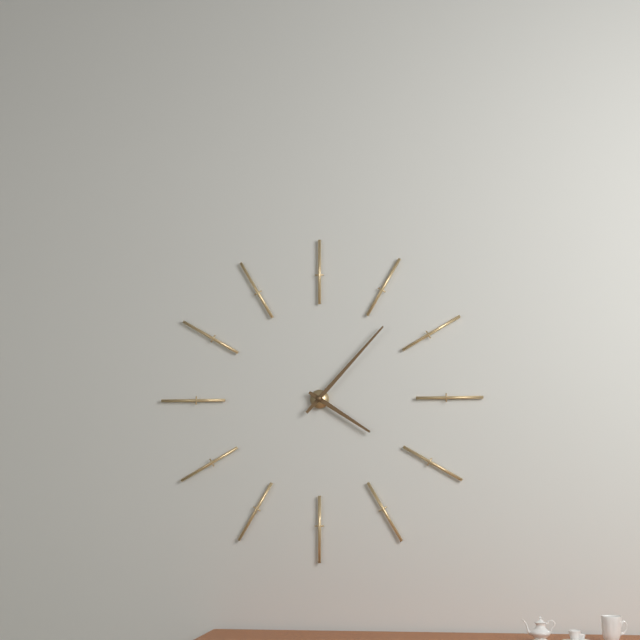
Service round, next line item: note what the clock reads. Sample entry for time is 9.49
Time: 4.07
